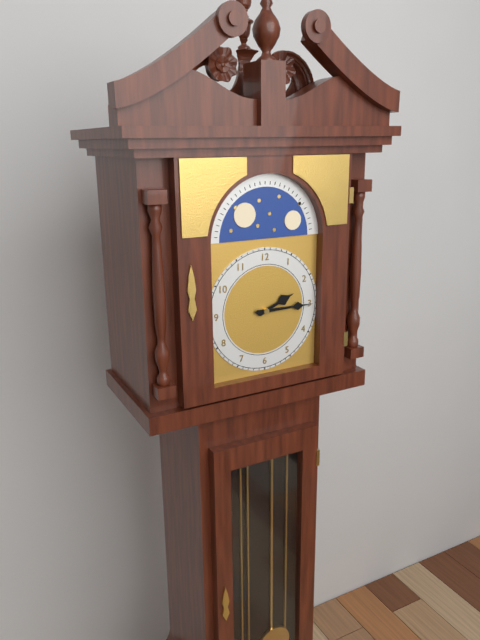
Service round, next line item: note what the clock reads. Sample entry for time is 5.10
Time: 2.15
